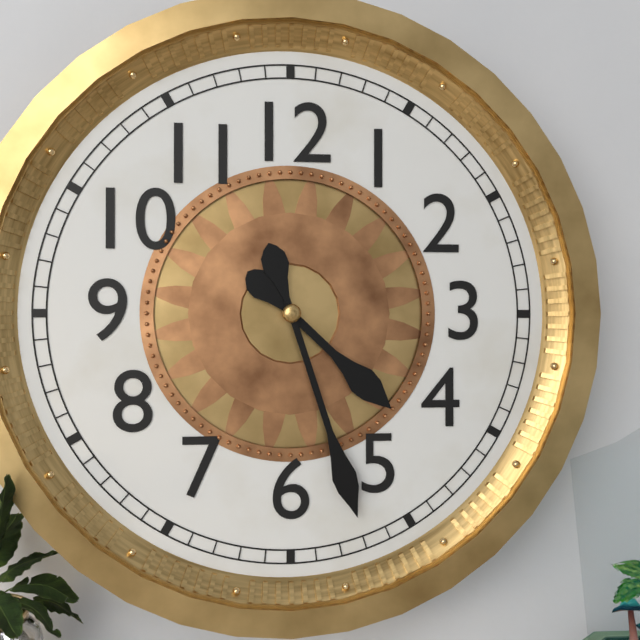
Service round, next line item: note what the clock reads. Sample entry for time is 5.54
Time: 4.27
